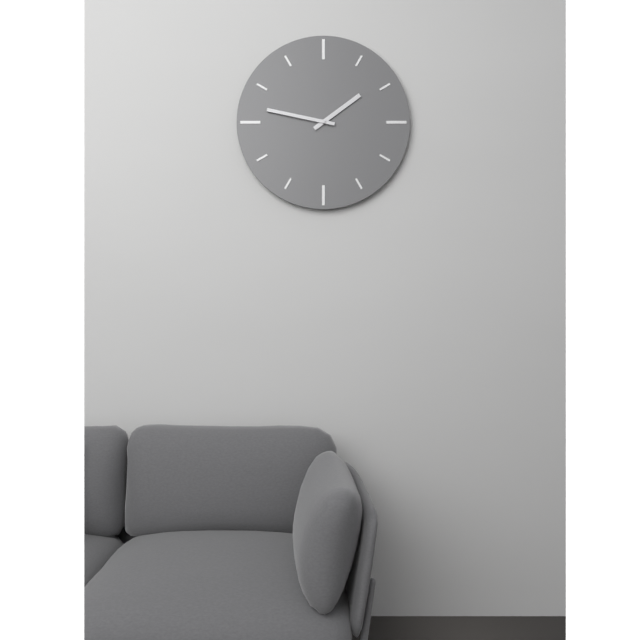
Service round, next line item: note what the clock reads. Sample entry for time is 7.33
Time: 1.47
